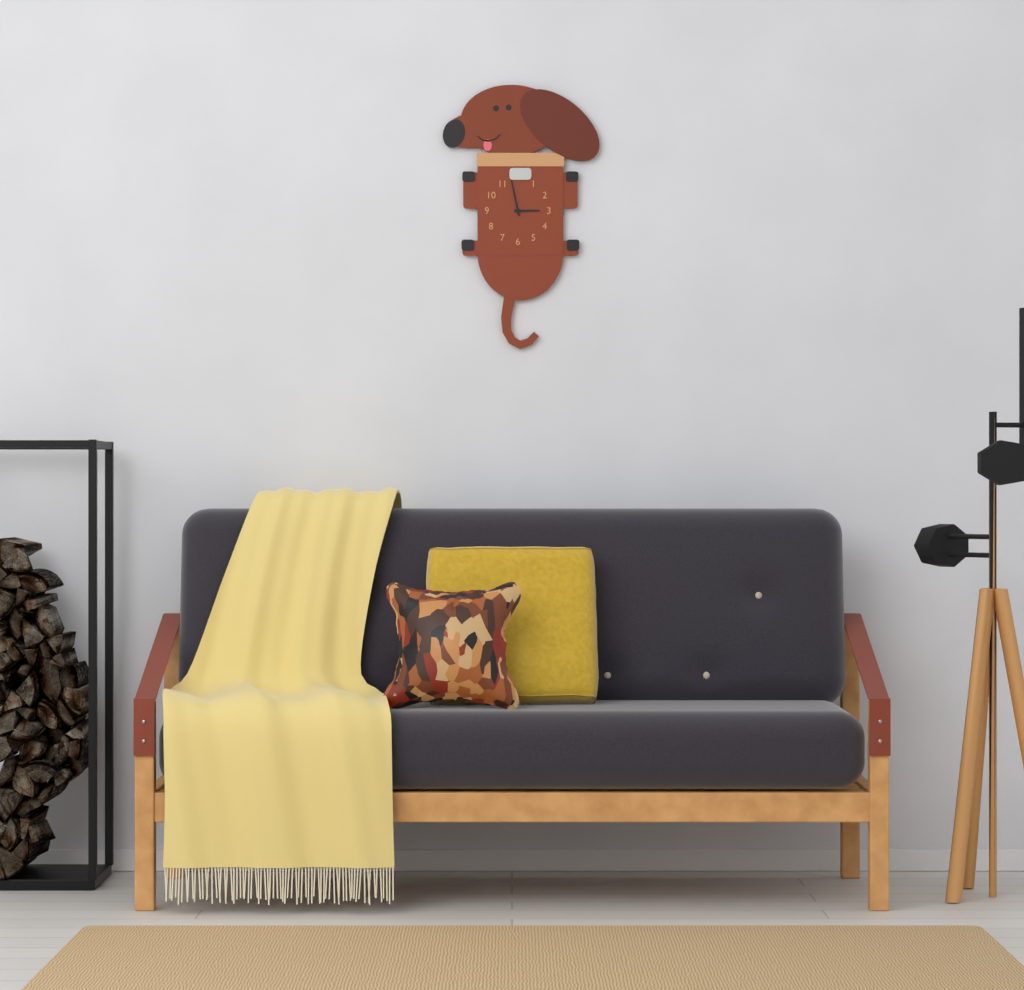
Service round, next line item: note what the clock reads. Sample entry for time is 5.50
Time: 2.58
